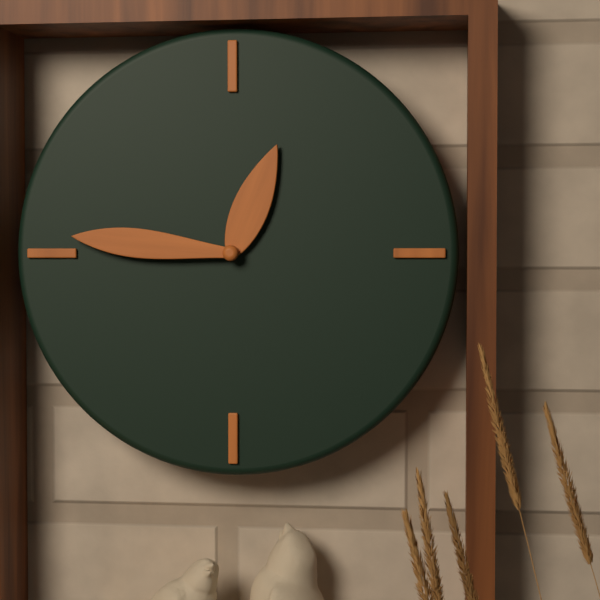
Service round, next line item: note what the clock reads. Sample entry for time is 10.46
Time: 12.46
